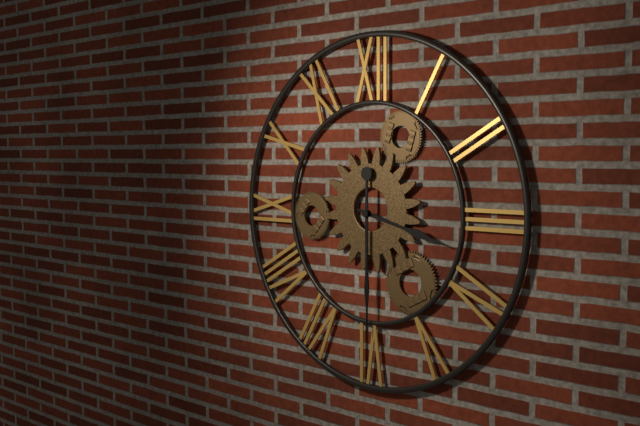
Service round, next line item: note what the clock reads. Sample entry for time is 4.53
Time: 3.30
